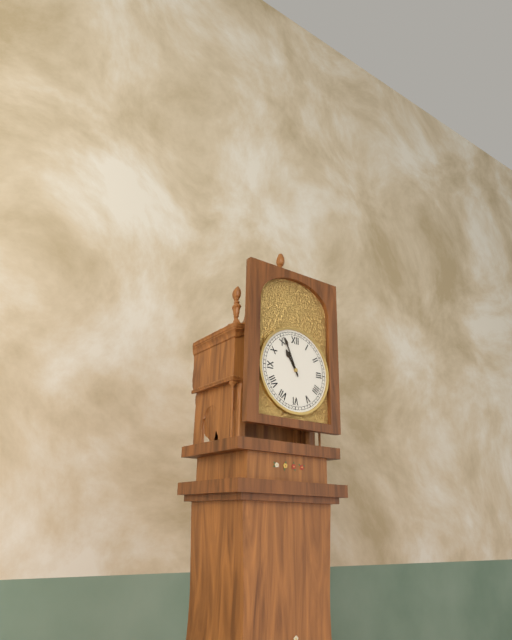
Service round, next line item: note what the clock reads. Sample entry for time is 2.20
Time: 10.56
